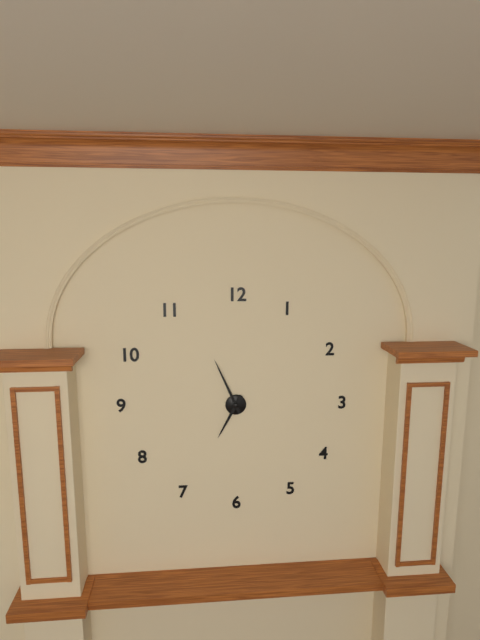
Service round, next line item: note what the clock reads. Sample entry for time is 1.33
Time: 6.56
